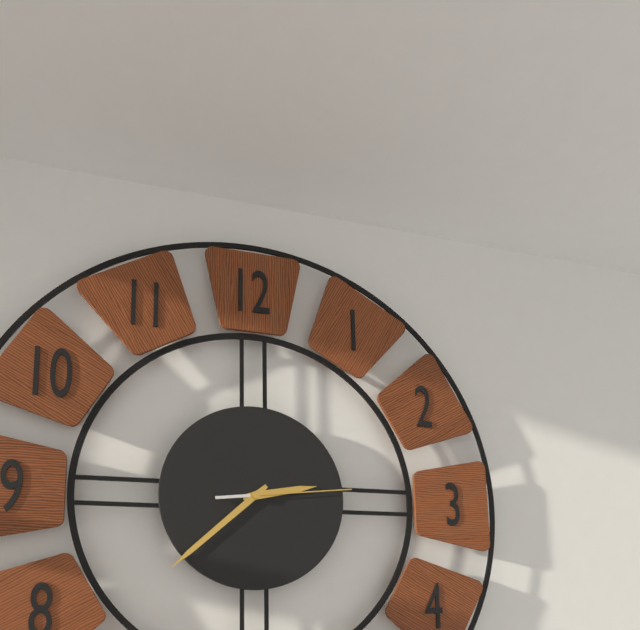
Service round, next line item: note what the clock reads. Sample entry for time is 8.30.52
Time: 2.38.14
